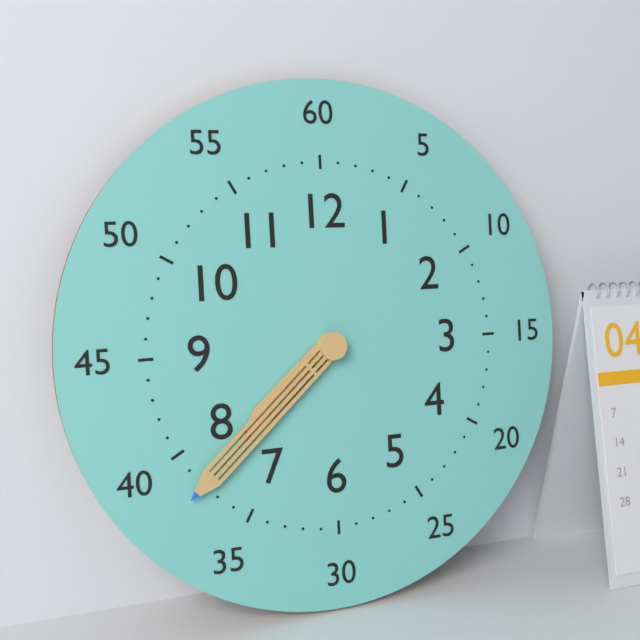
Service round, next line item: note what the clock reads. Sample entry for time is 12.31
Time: 7.38
